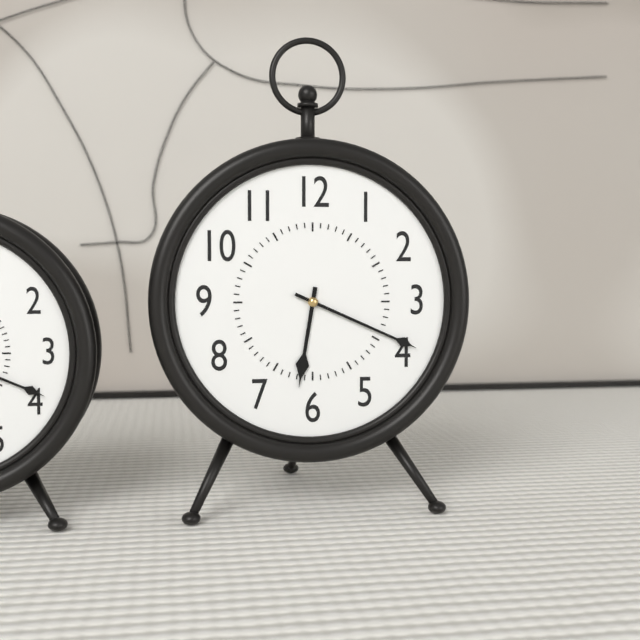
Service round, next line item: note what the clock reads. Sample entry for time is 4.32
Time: 6.19
